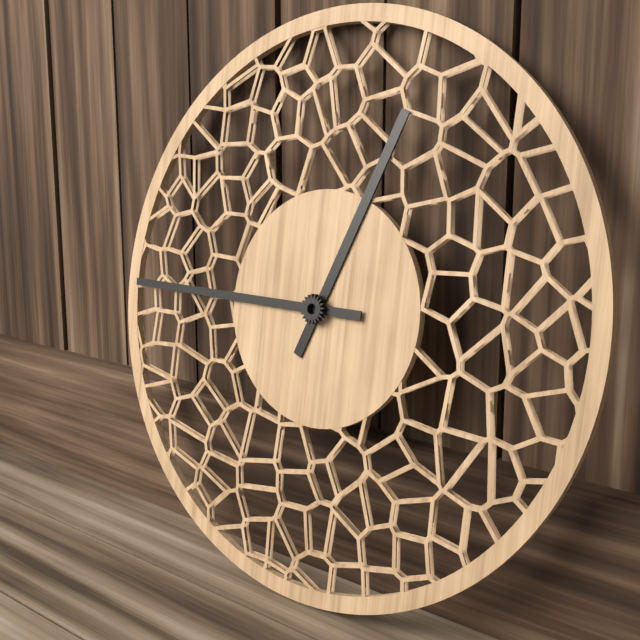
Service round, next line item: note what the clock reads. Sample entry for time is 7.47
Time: 12.45
